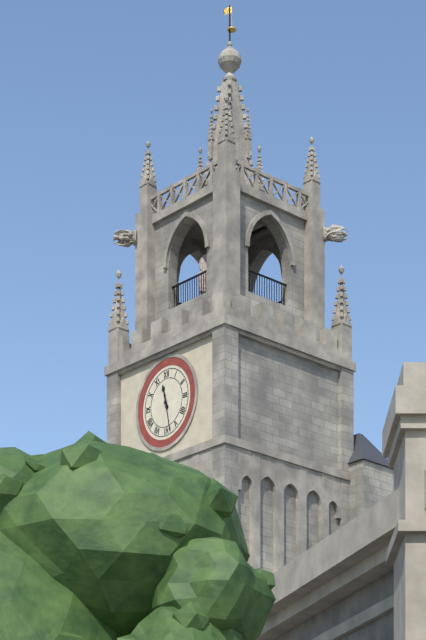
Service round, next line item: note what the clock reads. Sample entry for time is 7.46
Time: 11.28
